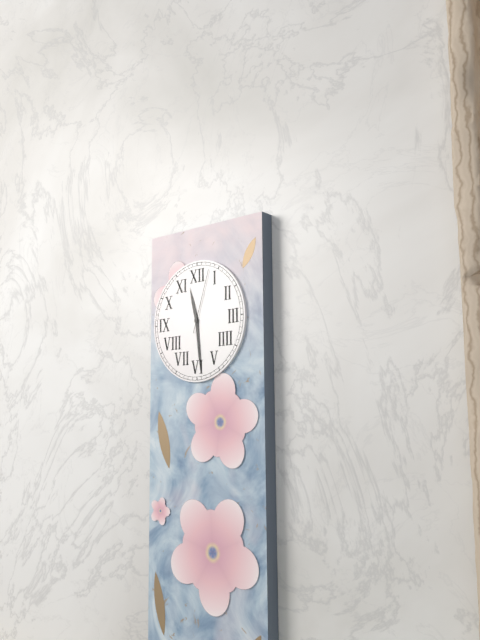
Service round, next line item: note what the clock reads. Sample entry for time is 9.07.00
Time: 11.29.03
